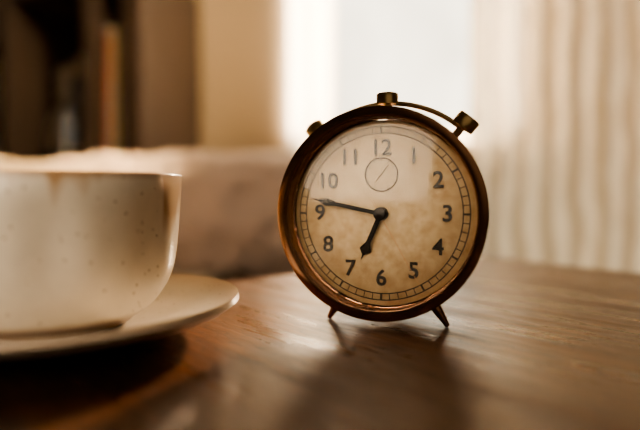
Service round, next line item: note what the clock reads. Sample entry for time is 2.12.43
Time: 6.47.25
